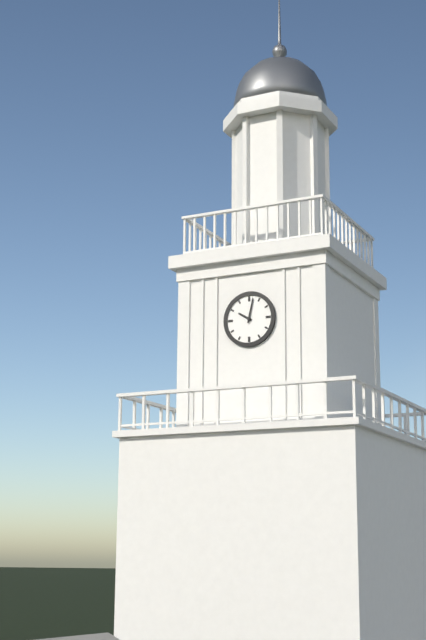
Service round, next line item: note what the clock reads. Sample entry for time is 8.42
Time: 10.02
